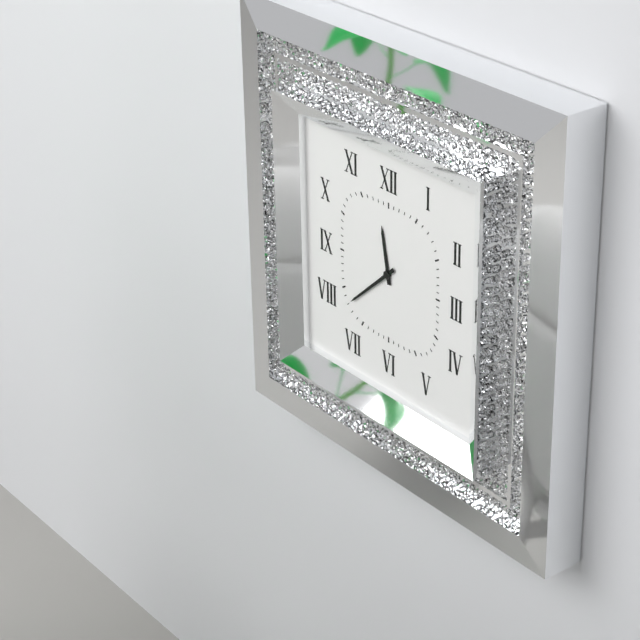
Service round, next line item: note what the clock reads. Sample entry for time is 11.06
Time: 11.38
